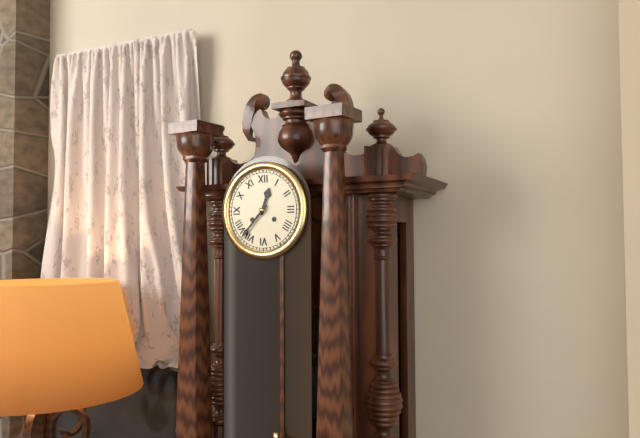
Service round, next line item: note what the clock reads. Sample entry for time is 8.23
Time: 12.37
